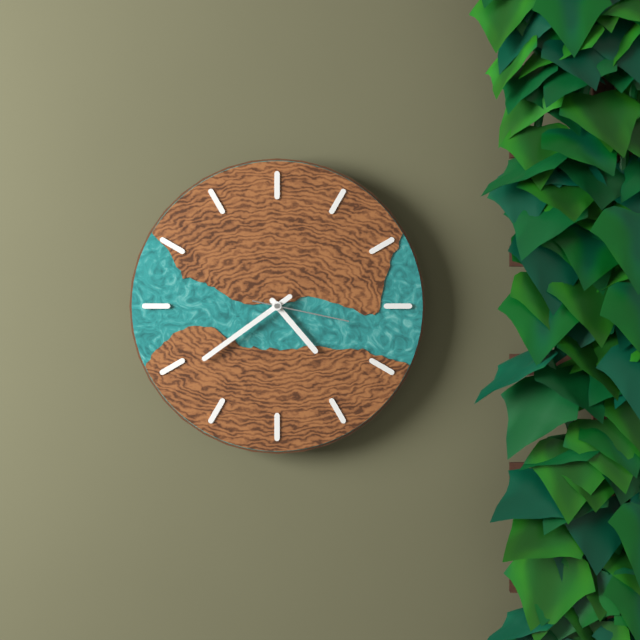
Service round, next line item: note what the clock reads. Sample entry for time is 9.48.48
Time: 4.39.17
